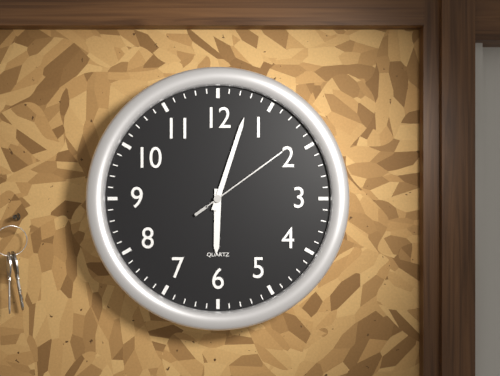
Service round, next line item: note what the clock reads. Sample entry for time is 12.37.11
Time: 6.03.09
